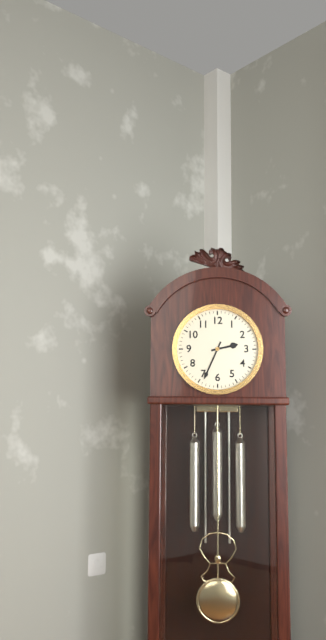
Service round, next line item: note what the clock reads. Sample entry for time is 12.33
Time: 2.34
